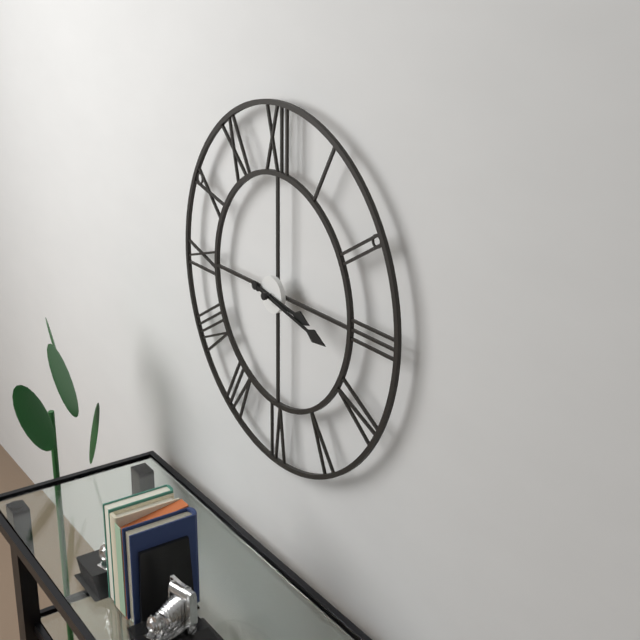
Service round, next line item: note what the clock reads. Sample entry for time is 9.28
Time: 3.17
